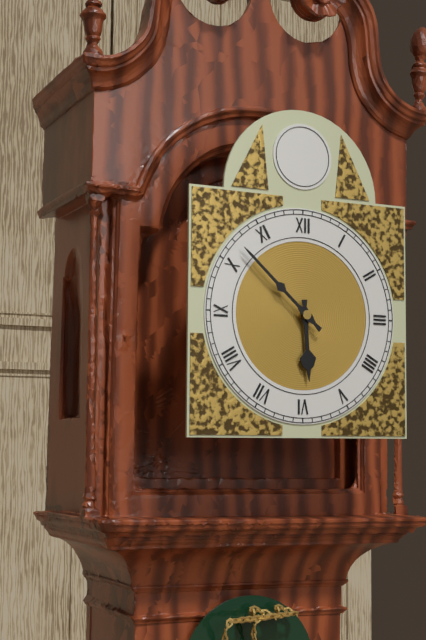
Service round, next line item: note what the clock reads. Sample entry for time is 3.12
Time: 5.52
